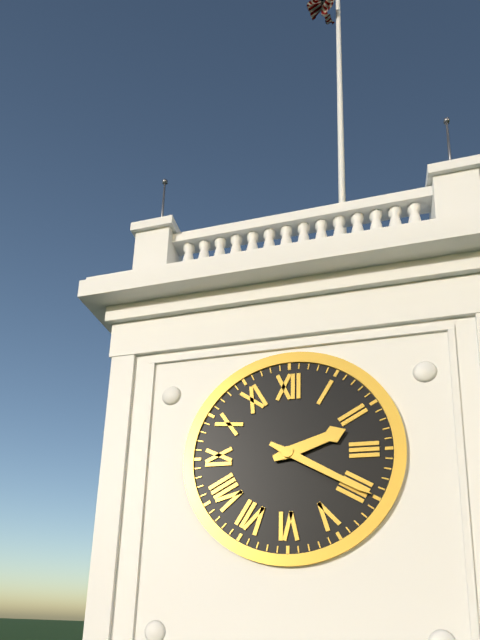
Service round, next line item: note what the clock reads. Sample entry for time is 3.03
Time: 2.20
